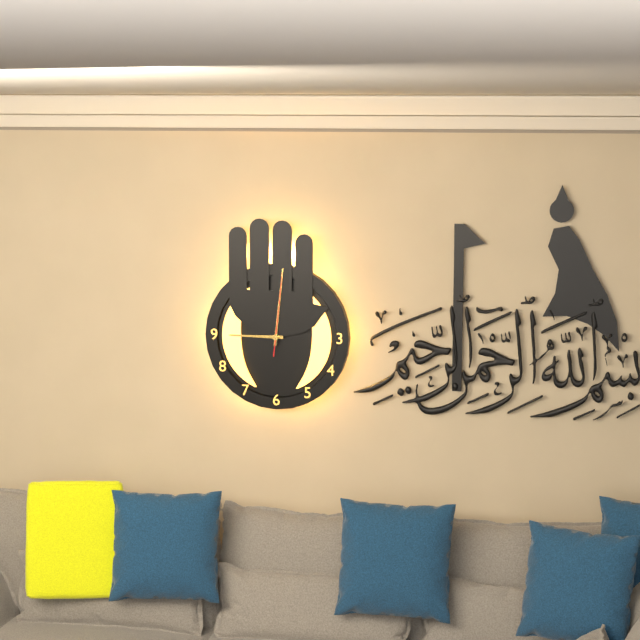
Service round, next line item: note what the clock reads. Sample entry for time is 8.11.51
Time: 9.01.01
